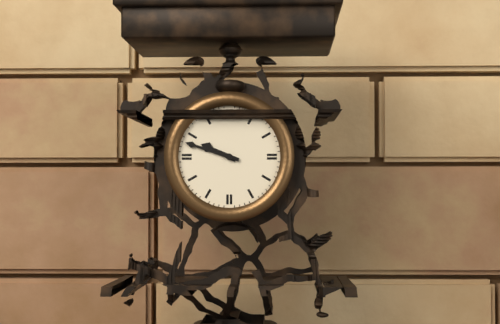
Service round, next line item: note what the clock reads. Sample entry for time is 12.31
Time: 9.48
